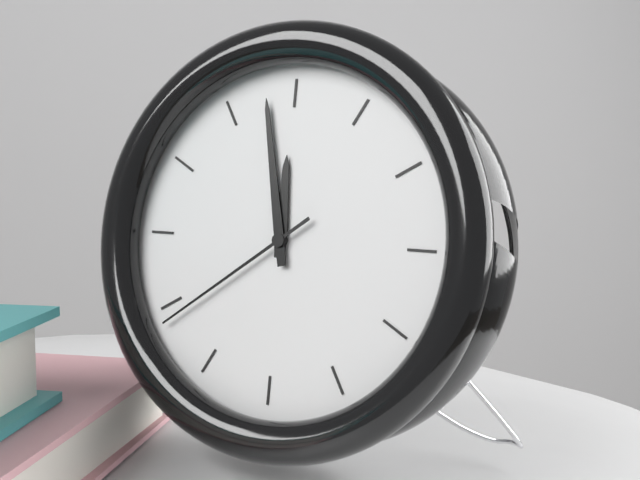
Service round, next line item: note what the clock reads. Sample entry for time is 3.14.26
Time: 11.58.39
